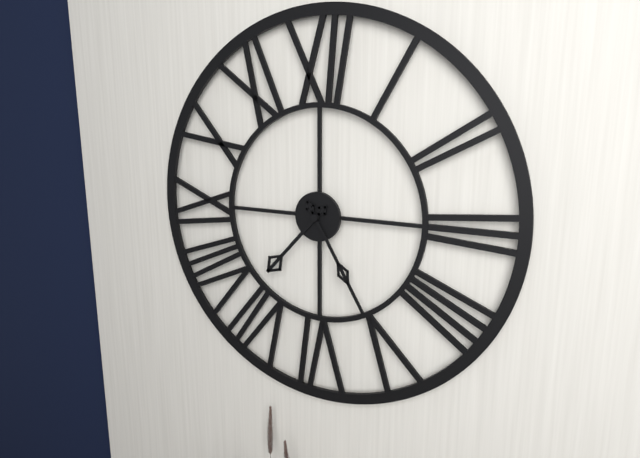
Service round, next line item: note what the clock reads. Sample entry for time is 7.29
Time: 7.25
